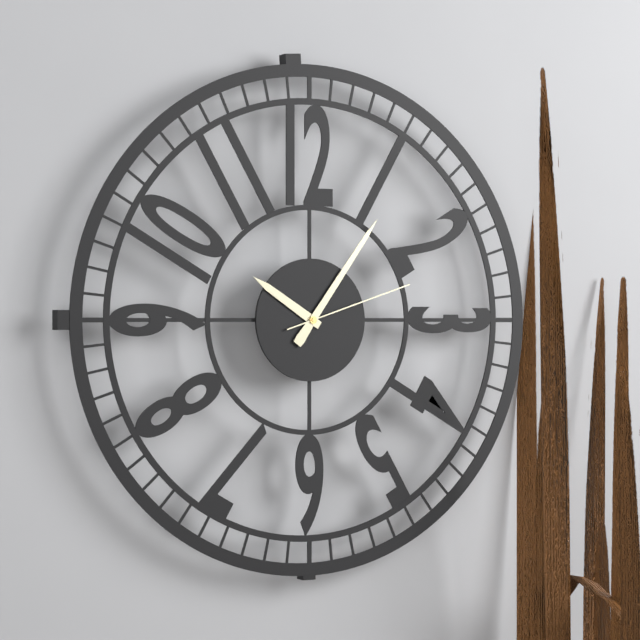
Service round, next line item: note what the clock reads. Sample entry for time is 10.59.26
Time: 10.06.12
